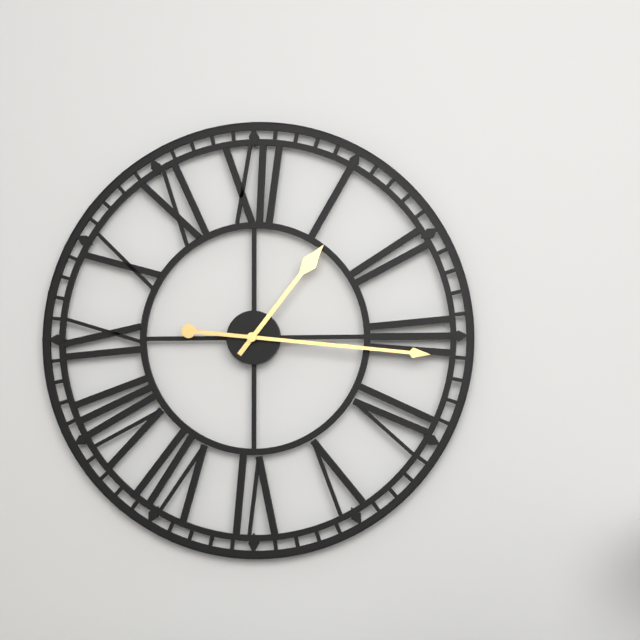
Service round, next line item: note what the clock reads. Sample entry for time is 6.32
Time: 1.16
